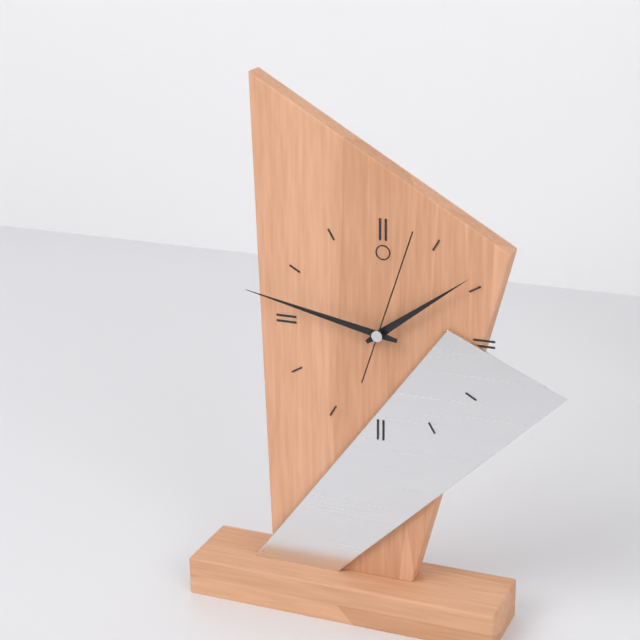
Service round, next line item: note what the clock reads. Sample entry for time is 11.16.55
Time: 1.47.03
